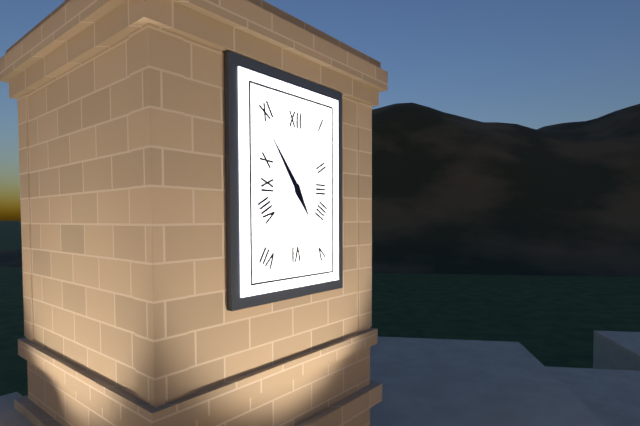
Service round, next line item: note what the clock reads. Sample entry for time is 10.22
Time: 4.54
